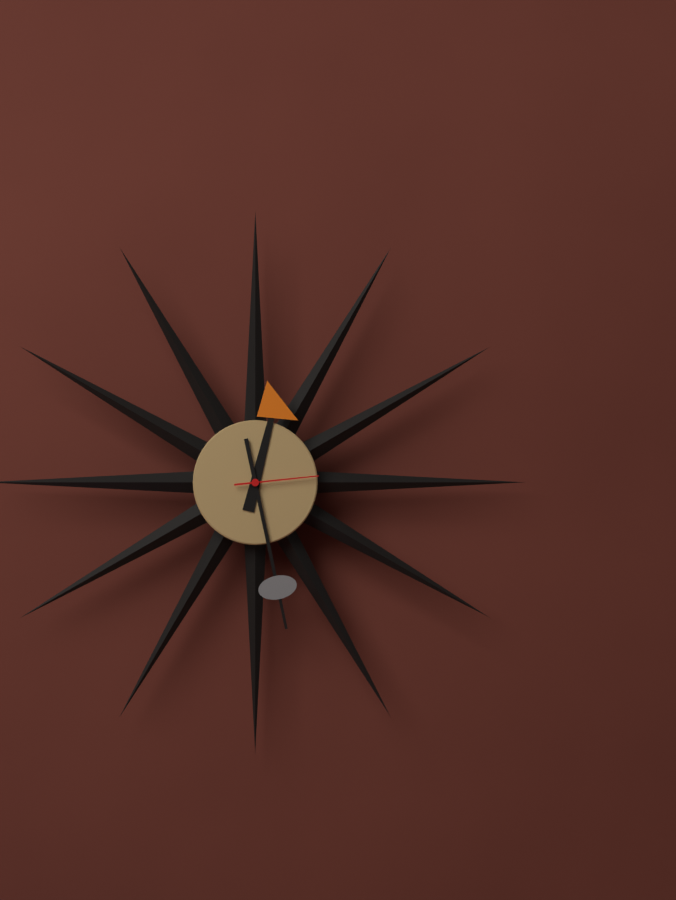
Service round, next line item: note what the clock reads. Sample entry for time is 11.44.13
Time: 12.28.14
